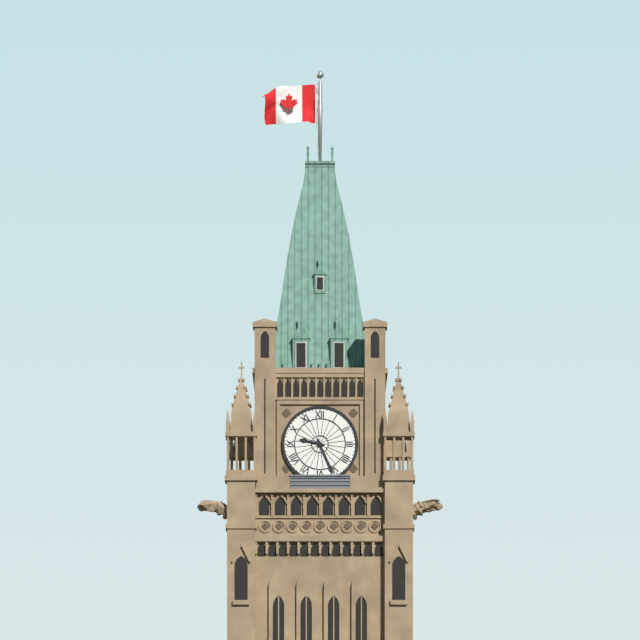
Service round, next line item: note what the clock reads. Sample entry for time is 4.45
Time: 9.26
